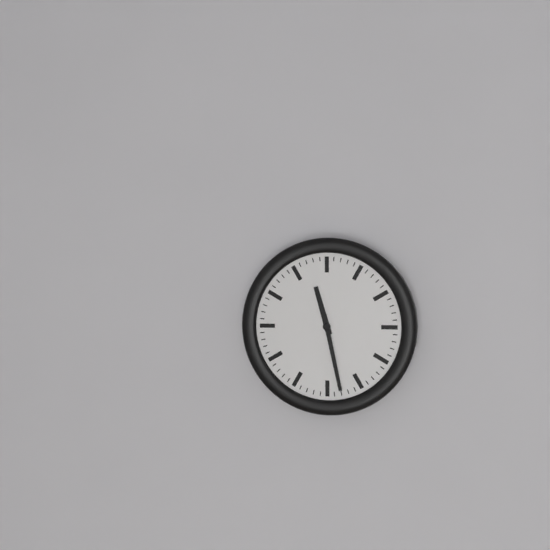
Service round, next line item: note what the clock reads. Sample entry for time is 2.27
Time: 11.28
